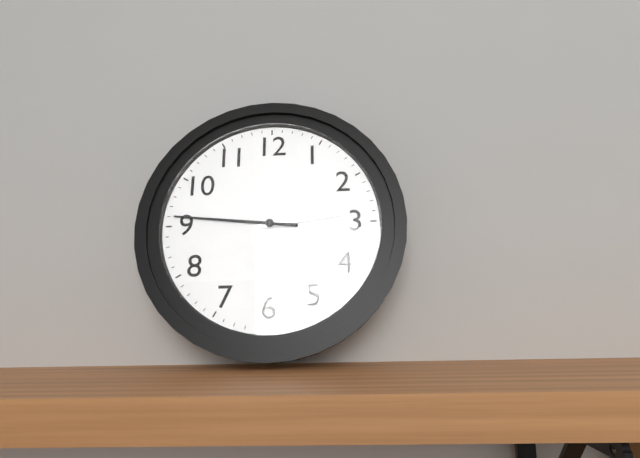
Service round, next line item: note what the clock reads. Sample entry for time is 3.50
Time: 2.46
